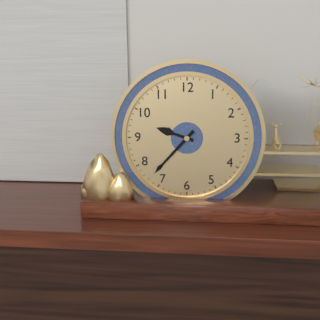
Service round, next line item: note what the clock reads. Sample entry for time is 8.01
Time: 9.37
